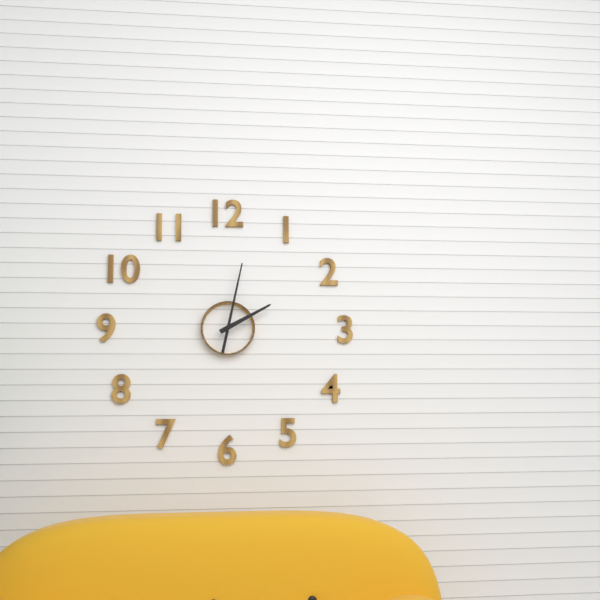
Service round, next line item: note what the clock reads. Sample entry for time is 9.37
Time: 2.02
